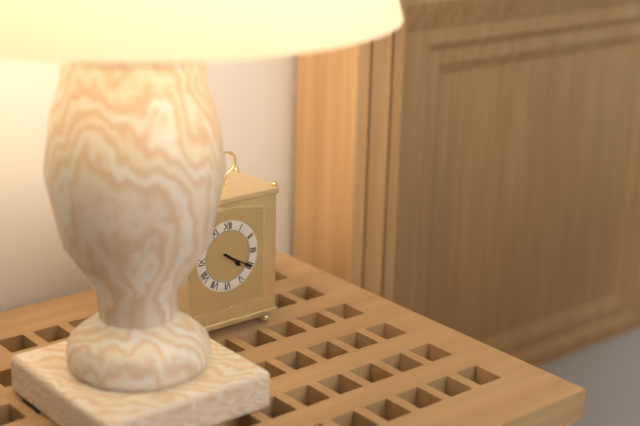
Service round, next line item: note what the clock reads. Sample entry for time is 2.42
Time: 4.20
